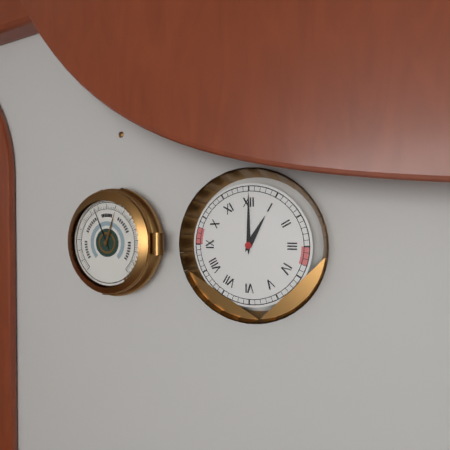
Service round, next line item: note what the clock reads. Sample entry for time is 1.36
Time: 1.00
